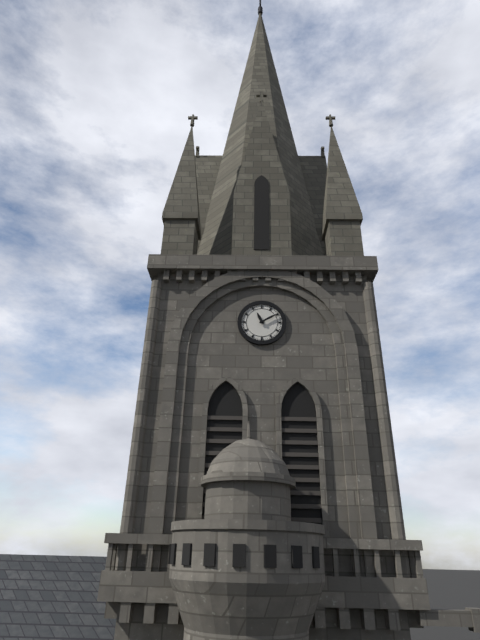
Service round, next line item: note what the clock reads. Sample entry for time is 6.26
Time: 11.10
